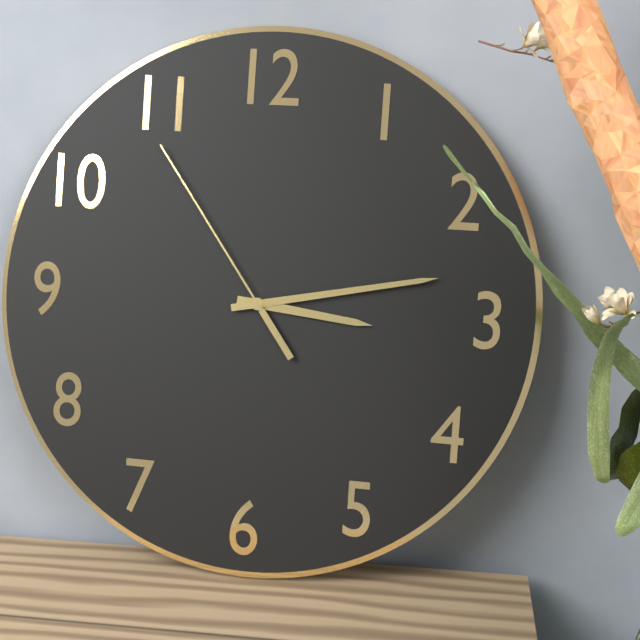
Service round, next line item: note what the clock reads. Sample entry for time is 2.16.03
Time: 3.13.54
